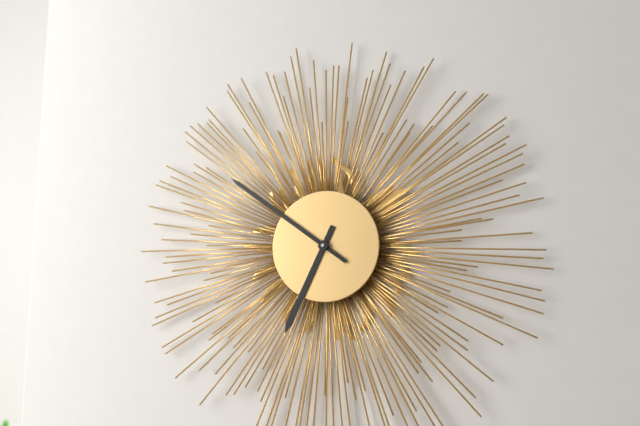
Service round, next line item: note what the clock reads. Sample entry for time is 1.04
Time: 6.51
